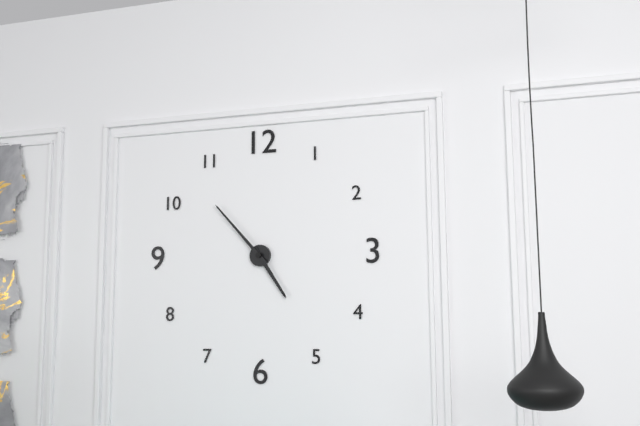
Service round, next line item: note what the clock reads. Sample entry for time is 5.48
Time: 4.53
